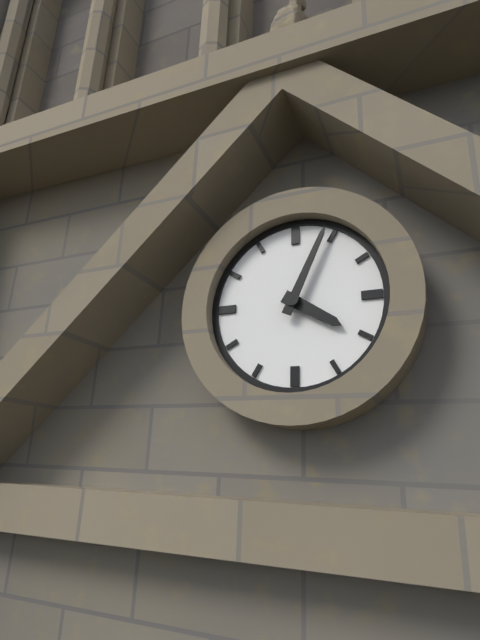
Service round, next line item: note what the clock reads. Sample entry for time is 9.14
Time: 4.04
